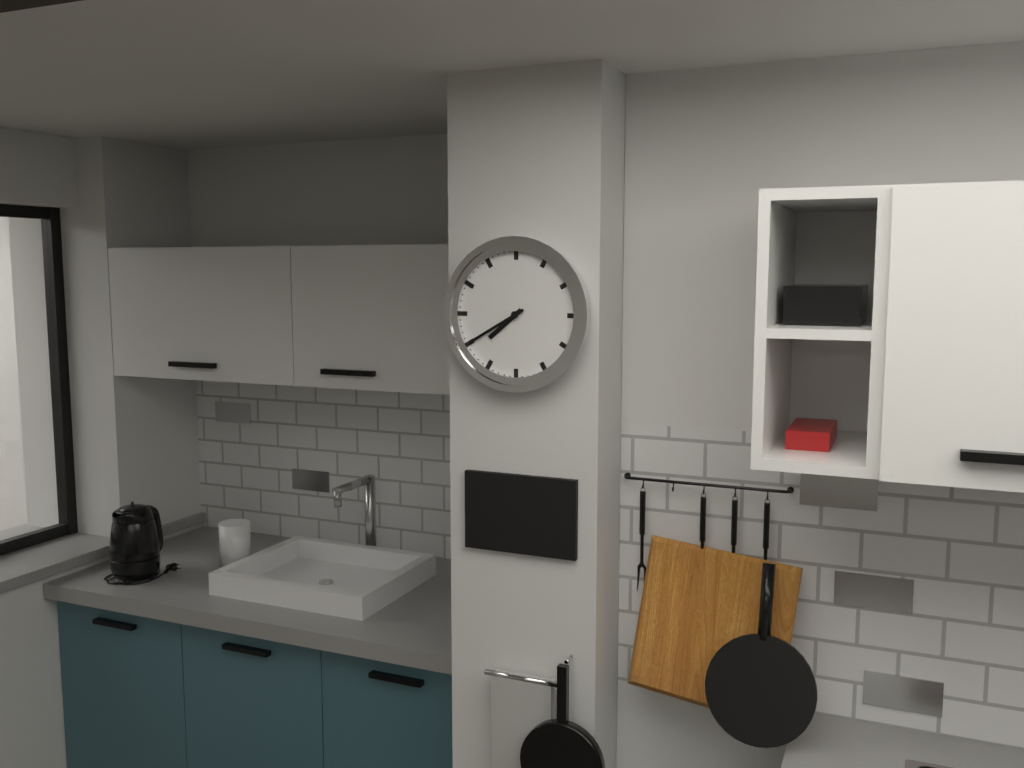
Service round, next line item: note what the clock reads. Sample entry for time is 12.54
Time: 7.40
